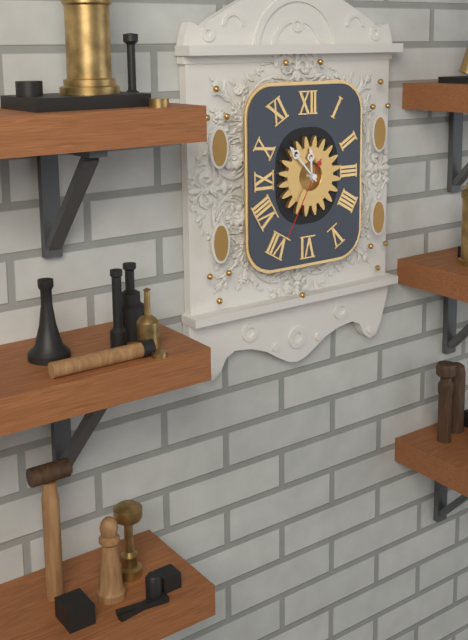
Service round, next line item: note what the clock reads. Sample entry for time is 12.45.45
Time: 11.53.35
